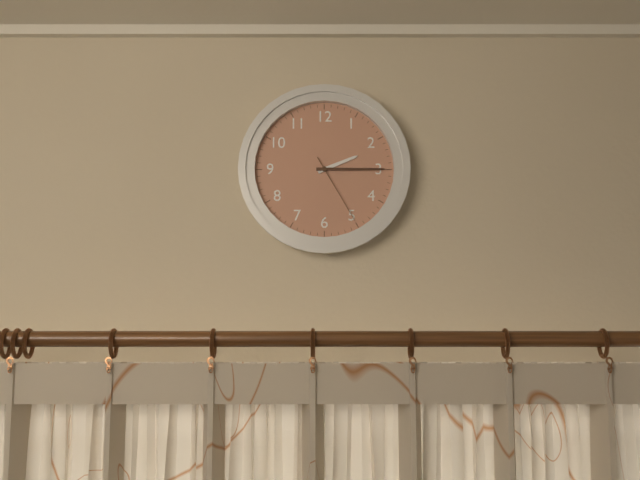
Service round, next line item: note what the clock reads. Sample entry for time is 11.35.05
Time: 2.15.25
